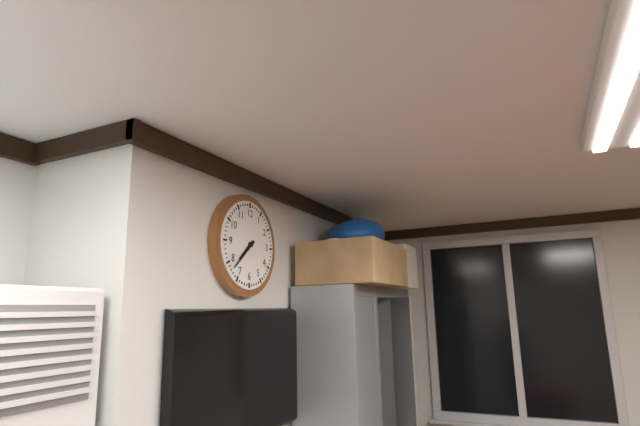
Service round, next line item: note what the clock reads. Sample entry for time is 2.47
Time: 7.38
